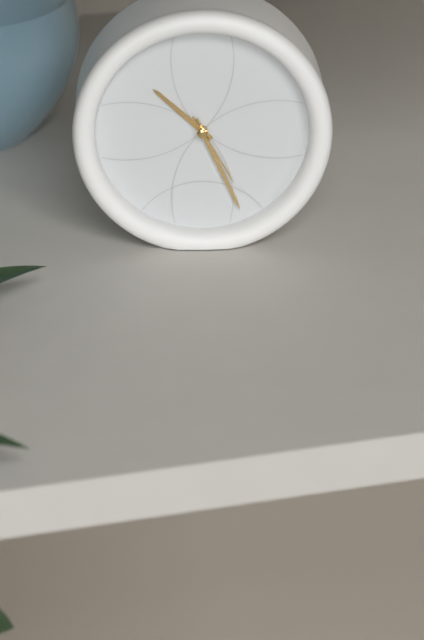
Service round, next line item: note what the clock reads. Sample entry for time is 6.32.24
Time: 10.26.25
